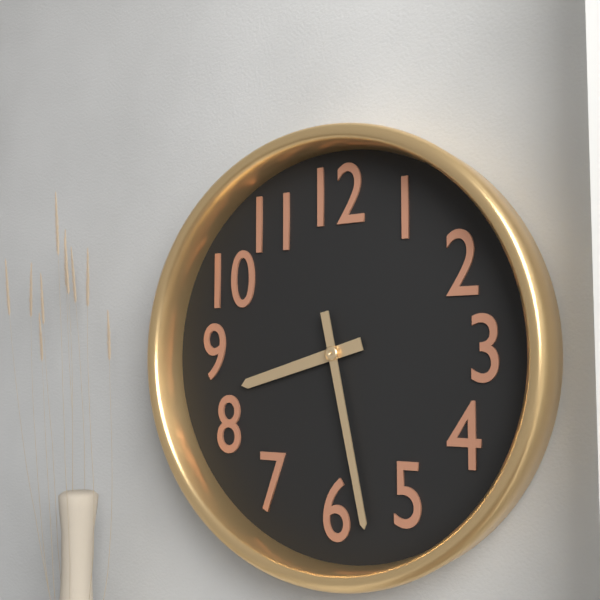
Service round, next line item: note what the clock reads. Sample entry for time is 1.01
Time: 8.28
